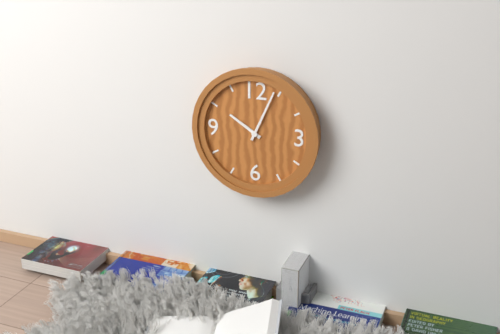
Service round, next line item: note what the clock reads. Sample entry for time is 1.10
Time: 10.04
